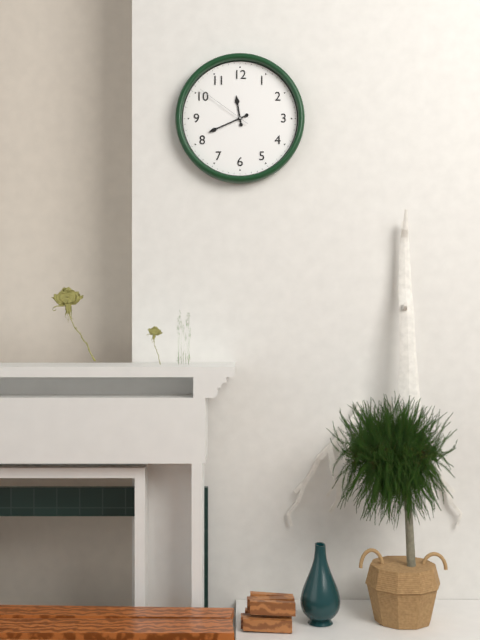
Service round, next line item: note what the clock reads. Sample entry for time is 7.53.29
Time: 11.41.51
